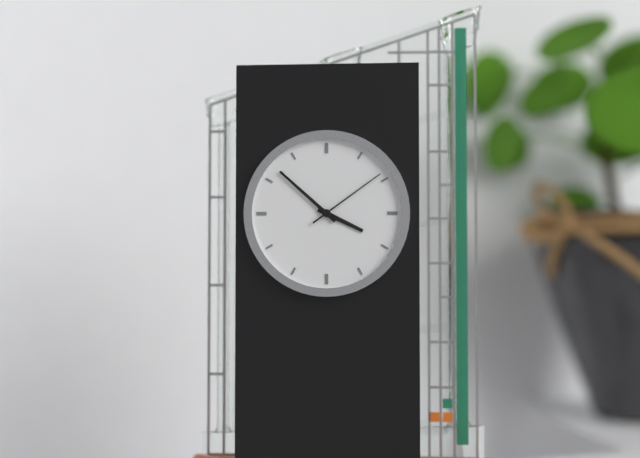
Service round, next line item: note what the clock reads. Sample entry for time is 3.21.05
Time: 3.52.09
